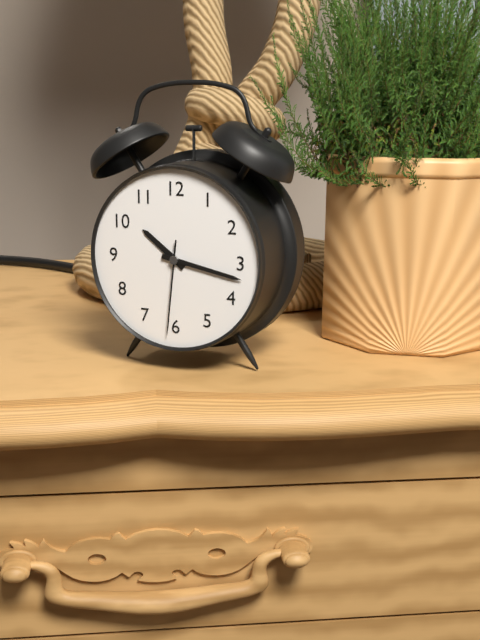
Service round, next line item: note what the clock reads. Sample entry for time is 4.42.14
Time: 10.17.31
